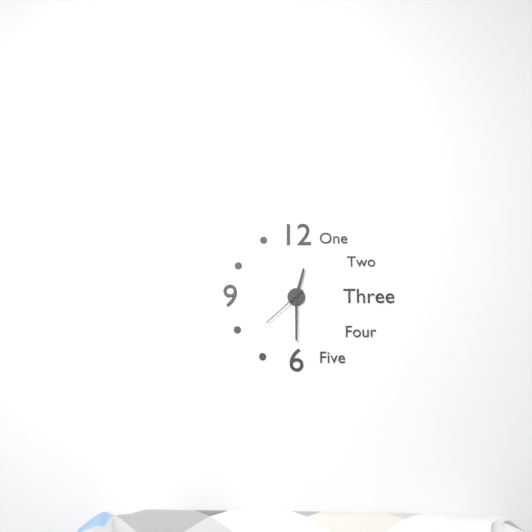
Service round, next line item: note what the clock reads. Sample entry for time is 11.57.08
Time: 12.30.38
